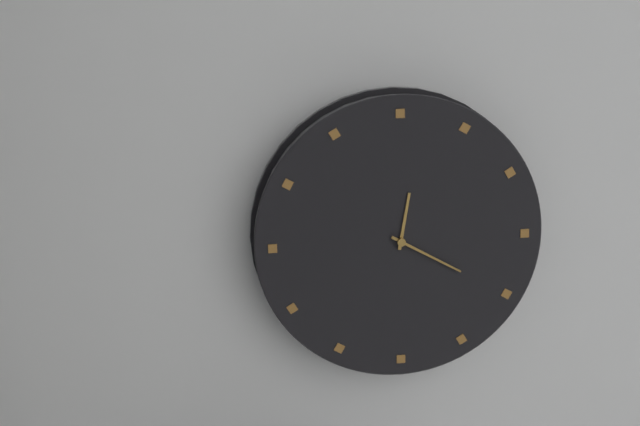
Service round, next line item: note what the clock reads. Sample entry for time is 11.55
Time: 12.20
